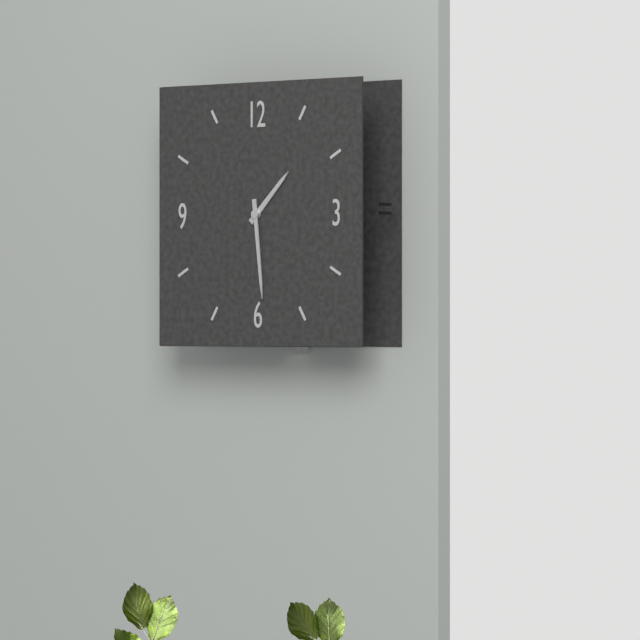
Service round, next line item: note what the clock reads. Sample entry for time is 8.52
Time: 1.29
